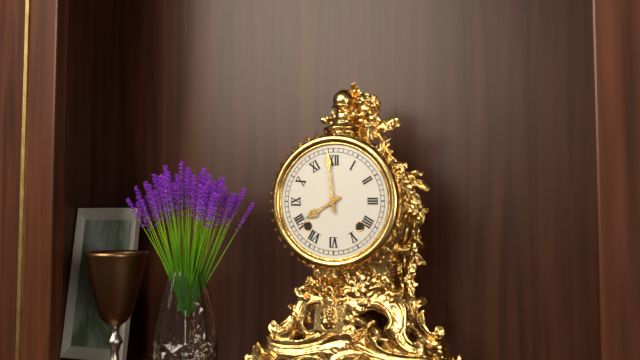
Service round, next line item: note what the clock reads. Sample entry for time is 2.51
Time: 7.59
